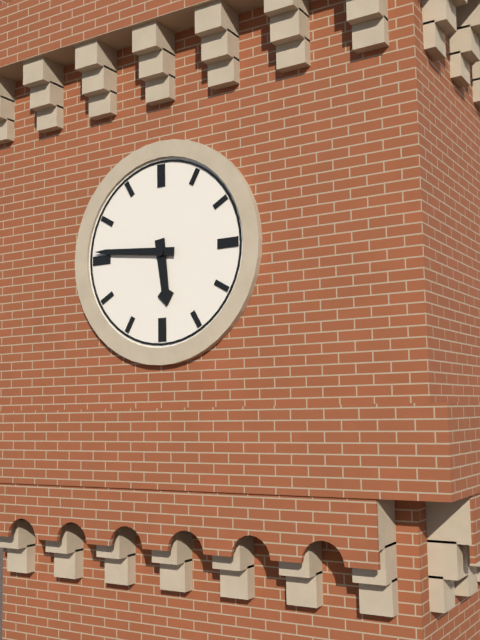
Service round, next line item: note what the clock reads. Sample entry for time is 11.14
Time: 5.46
